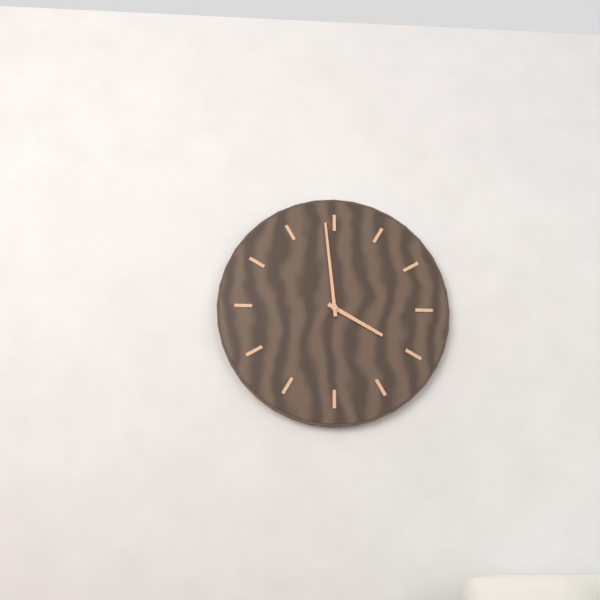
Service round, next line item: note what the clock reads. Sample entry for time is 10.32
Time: 3.59
